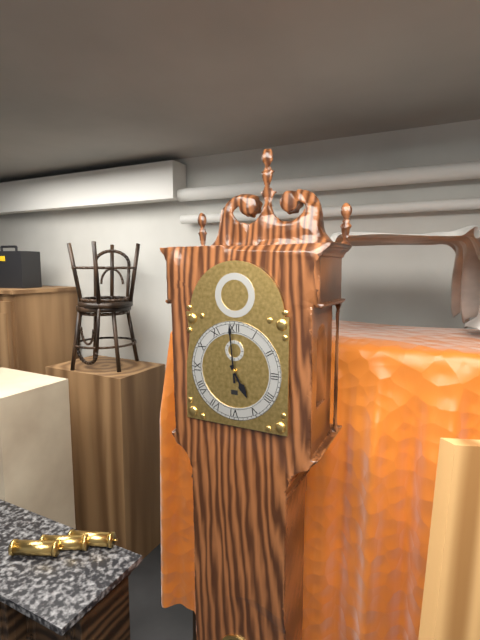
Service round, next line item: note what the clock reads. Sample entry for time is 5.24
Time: 4.59
